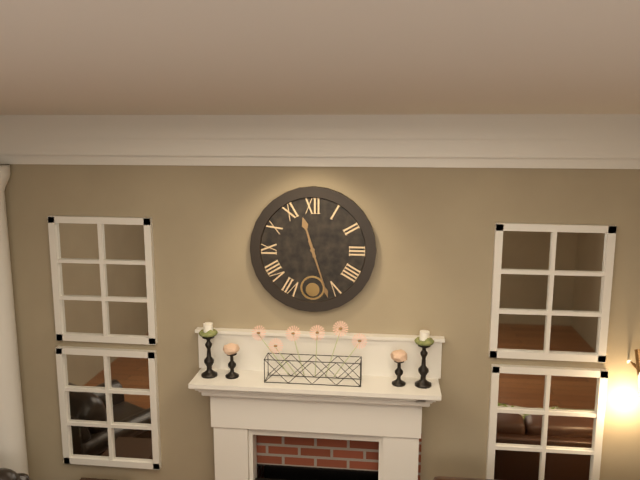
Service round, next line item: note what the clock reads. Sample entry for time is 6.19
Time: 11.27
